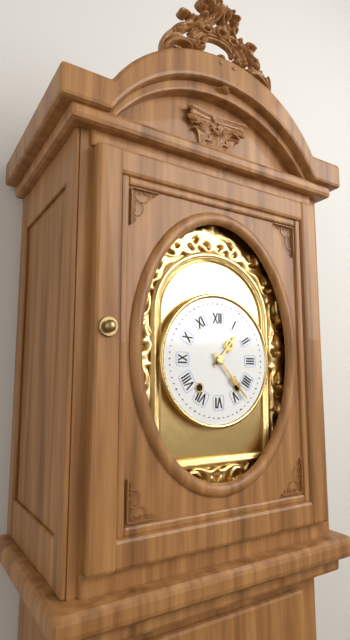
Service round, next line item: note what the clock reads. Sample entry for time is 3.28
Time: 1.23
